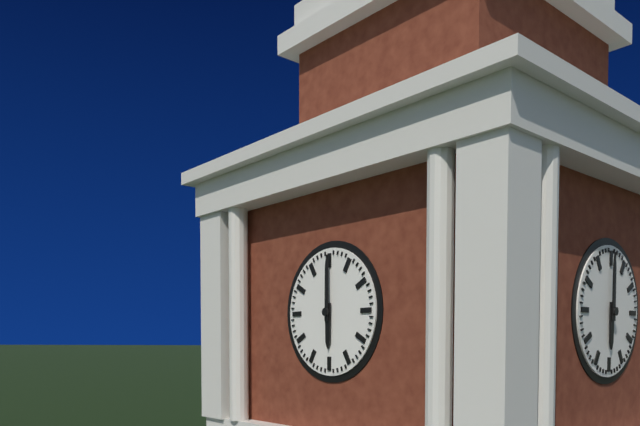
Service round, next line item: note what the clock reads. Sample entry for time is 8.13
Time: 6.00
